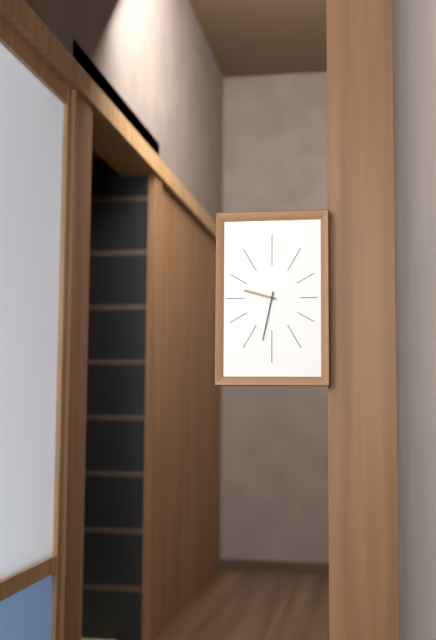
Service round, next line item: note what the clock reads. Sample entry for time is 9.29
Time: 9.32
